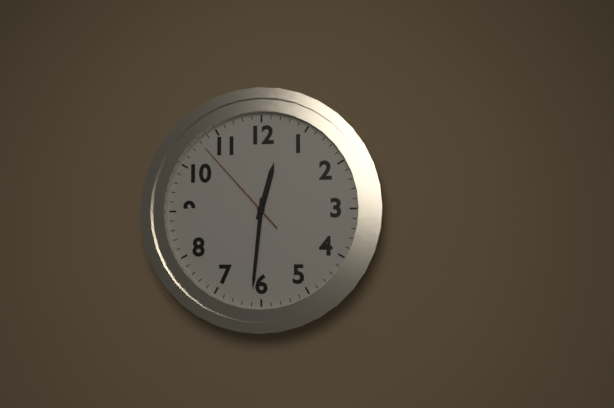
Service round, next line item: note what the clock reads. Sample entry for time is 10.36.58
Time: 12.31.53
